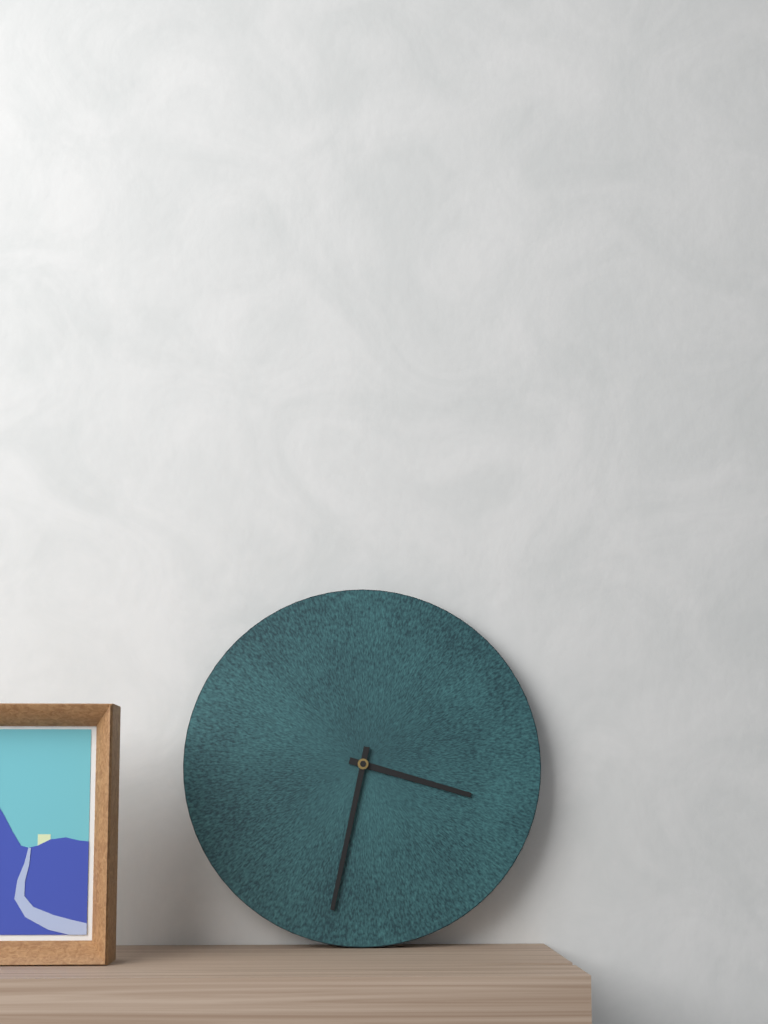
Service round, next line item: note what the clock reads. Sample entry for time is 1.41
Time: 3.32
